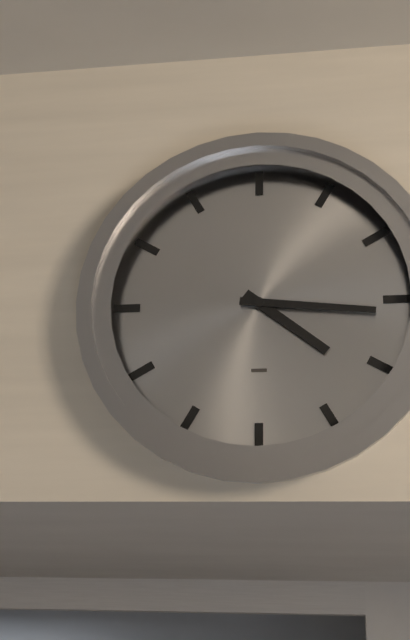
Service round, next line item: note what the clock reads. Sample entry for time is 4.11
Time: 4.16
